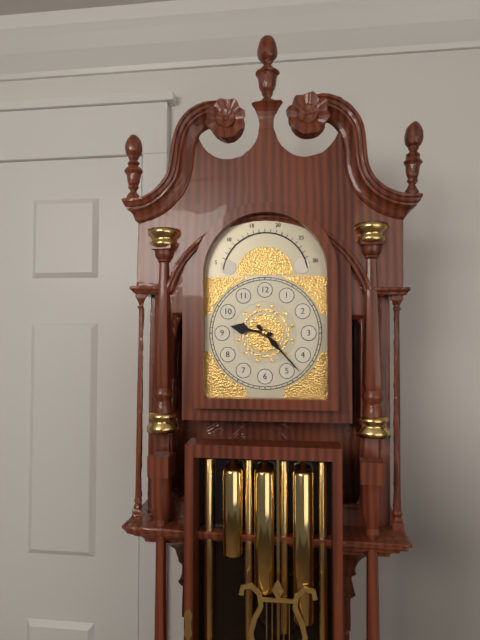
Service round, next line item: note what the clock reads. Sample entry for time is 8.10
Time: 9.23
